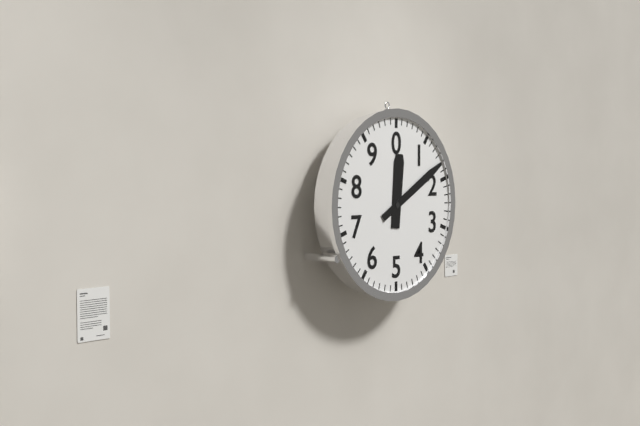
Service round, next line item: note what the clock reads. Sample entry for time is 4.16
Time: 12.10
